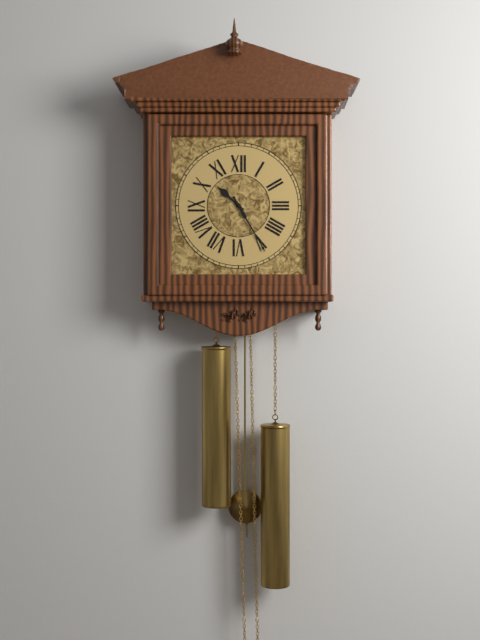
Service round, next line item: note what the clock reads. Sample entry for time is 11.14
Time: 10.25
